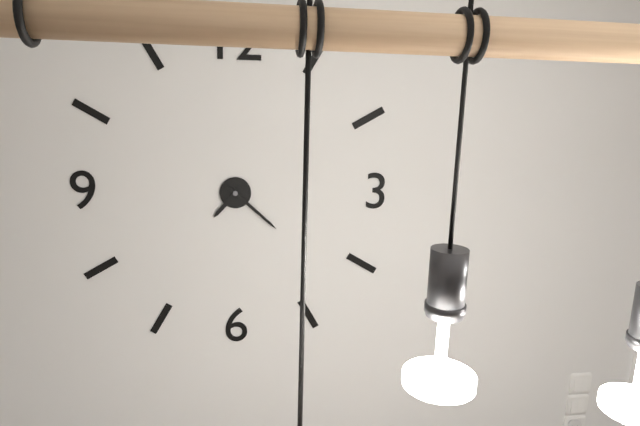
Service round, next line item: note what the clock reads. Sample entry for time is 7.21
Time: 7.22
